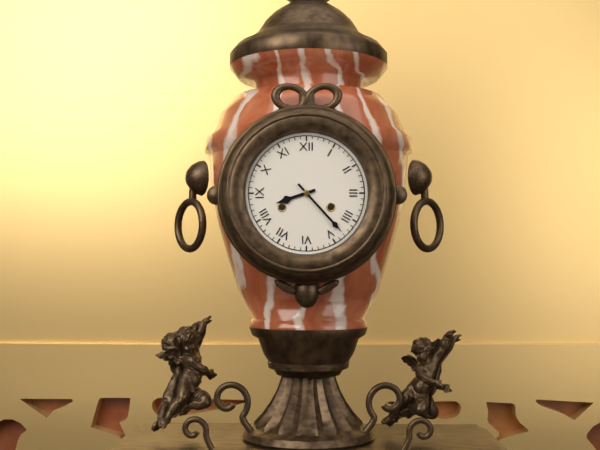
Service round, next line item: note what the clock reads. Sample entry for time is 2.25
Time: 8.23
